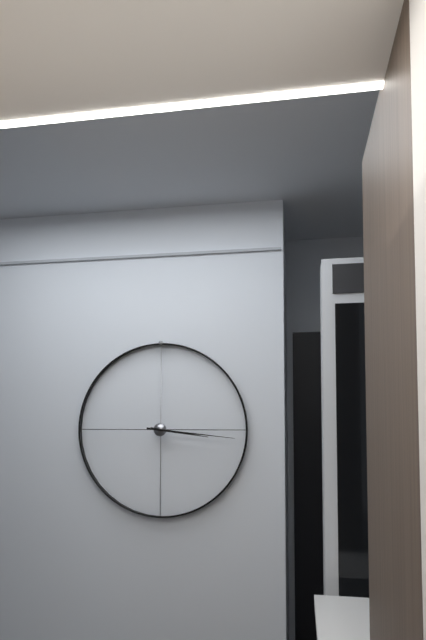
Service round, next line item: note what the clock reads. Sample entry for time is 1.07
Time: 3.16
